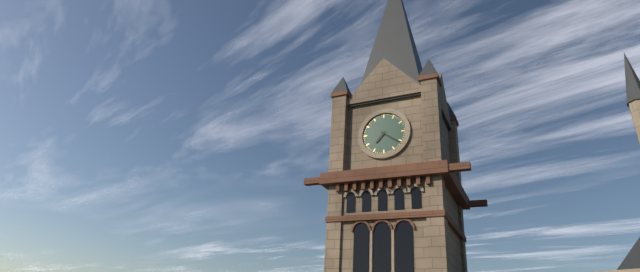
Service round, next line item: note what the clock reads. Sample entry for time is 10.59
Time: 7.21
